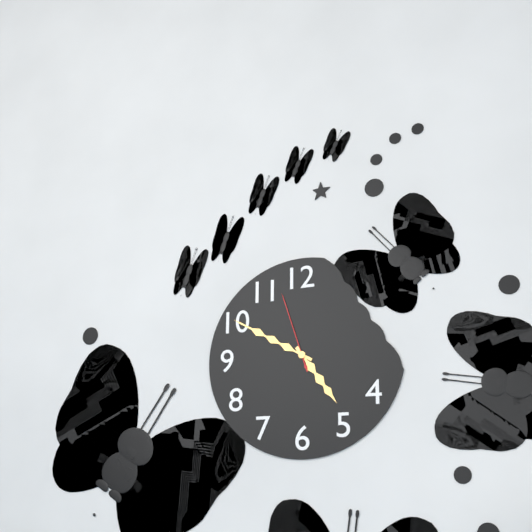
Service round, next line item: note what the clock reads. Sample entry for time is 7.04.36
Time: 4.50.57
